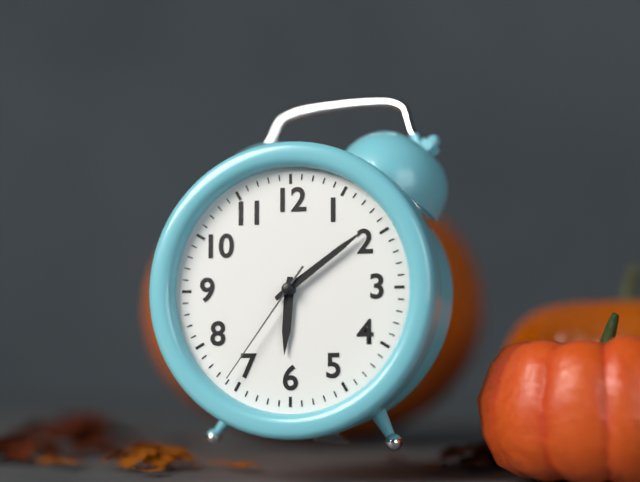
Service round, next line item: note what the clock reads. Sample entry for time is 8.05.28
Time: 6.09.36
